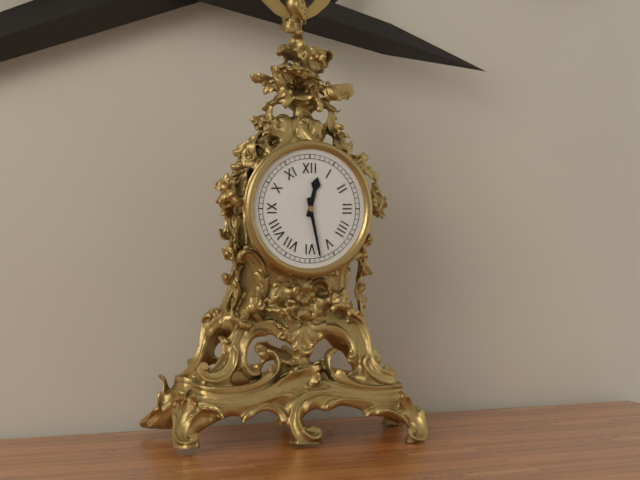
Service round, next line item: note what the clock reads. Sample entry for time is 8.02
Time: 12.28
